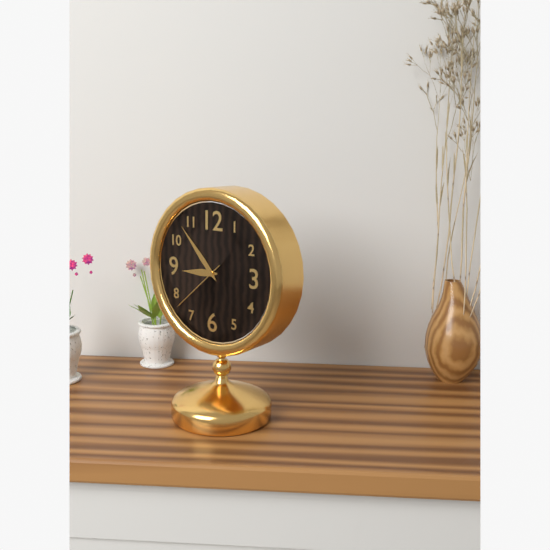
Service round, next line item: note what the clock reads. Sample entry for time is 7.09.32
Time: 8.53.38
